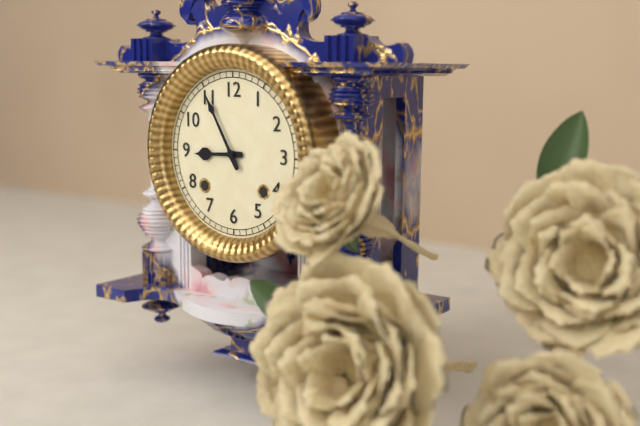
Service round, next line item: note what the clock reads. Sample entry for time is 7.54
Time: 8.55
